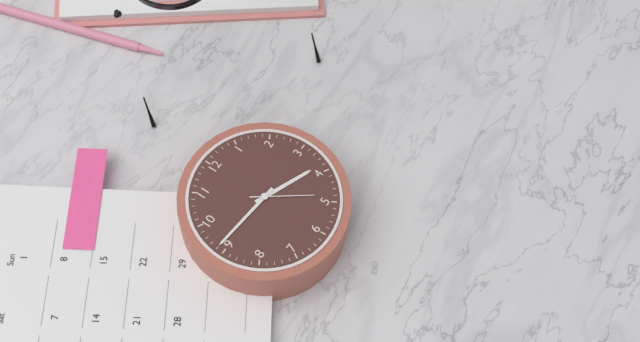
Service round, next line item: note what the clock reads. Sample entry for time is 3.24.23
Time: 3.46.24
